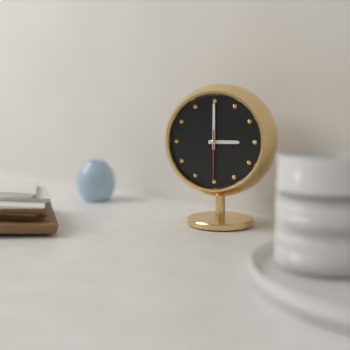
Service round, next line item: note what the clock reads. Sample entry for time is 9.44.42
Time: 3.00.30
